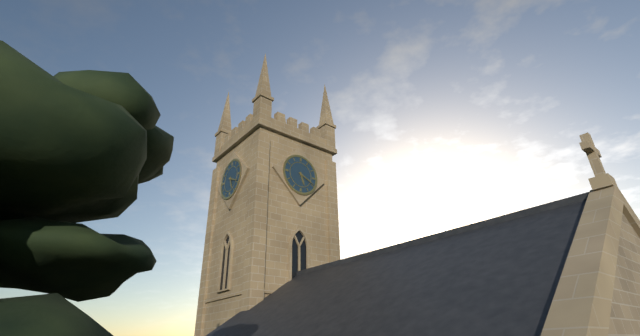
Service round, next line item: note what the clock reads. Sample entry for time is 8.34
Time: 5.19
